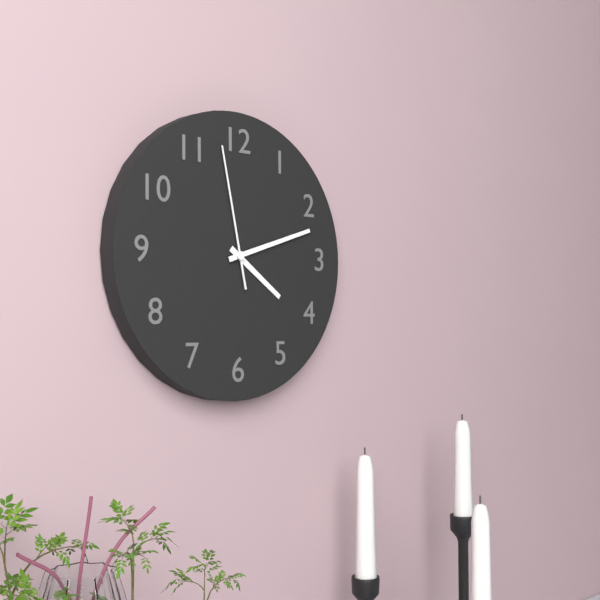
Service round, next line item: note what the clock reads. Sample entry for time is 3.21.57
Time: 4.12.58
